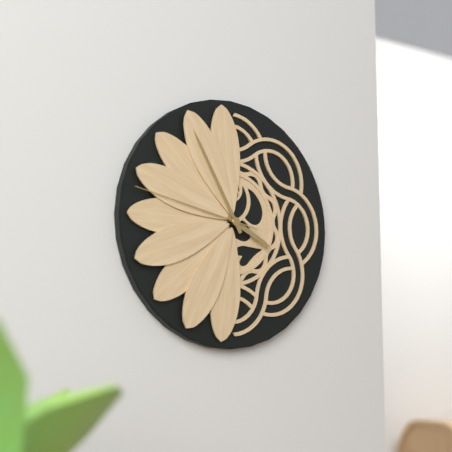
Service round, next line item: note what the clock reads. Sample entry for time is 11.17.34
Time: 3.55.47
